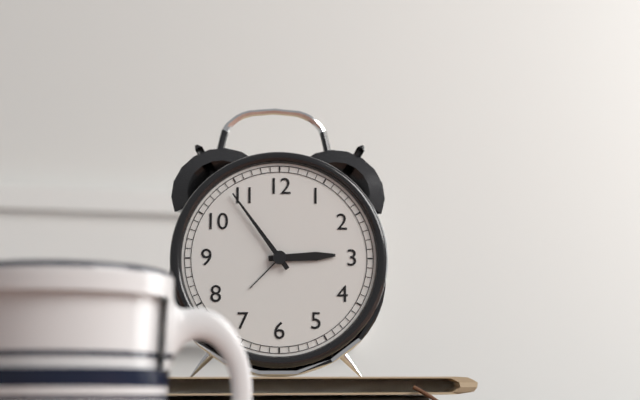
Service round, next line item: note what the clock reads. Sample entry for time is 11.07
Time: 2.54
